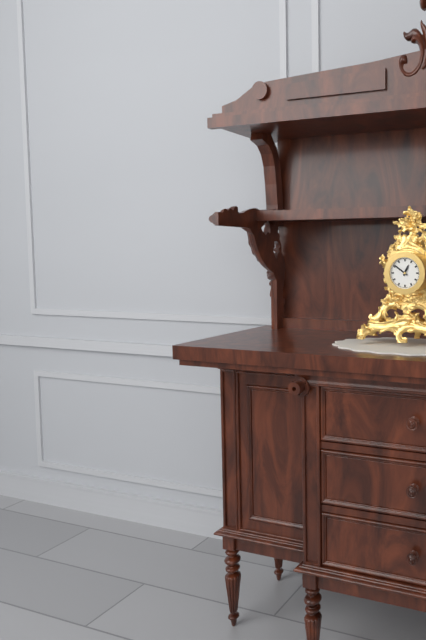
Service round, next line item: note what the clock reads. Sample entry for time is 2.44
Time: 12.51
